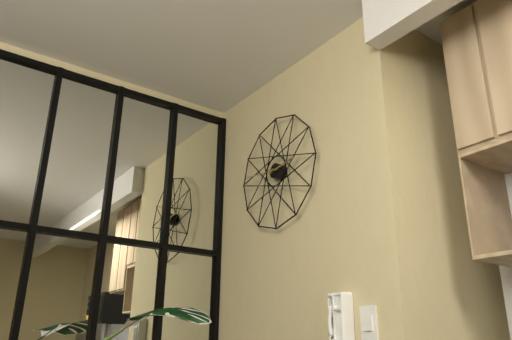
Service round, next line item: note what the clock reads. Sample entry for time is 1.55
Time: 2.46
